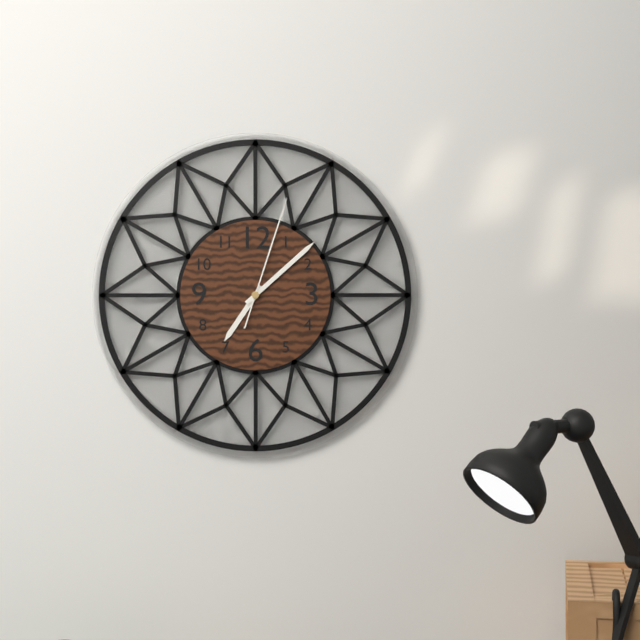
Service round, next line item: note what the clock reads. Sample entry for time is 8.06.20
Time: 7.08.03
